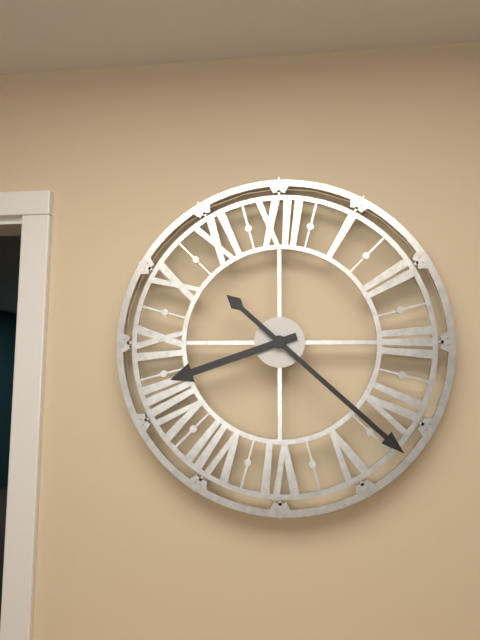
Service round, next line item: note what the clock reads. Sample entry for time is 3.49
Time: 8.22
